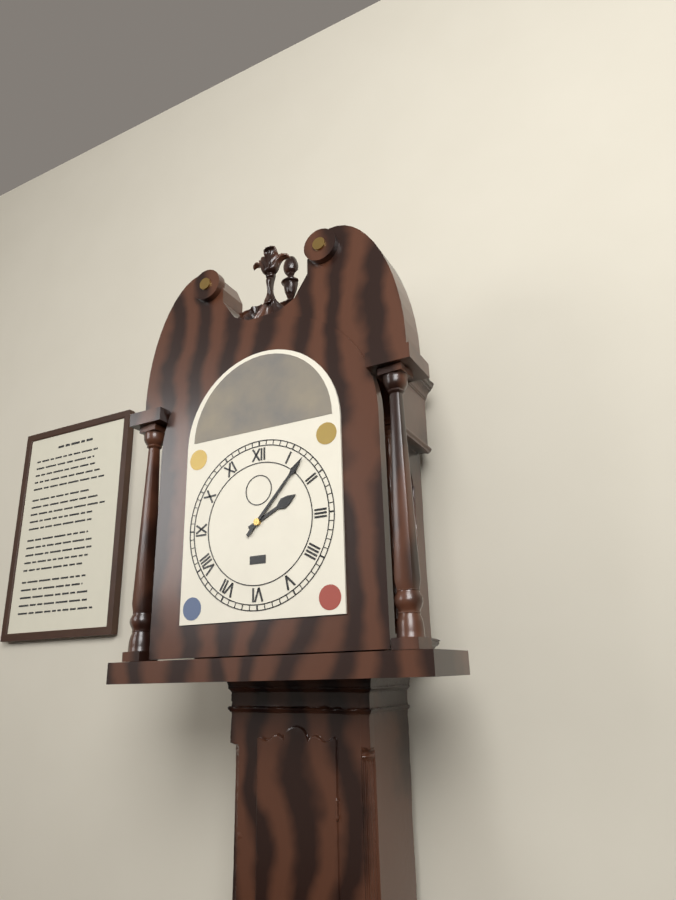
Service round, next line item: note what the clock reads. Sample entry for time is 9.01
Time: 2.07
